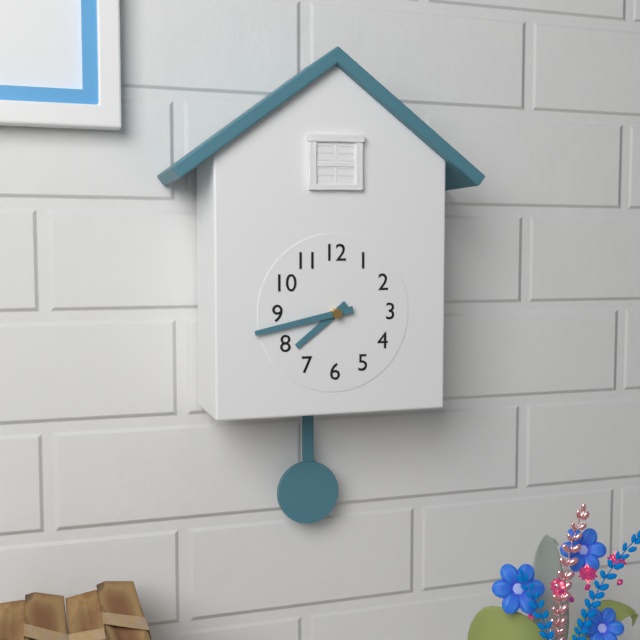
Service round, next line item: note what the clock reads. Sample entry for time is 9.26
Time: 7.43
